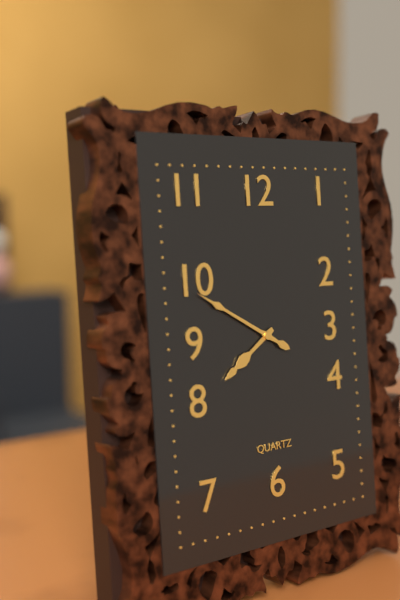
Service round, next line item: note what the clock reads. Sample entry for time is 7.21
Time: 7.50
